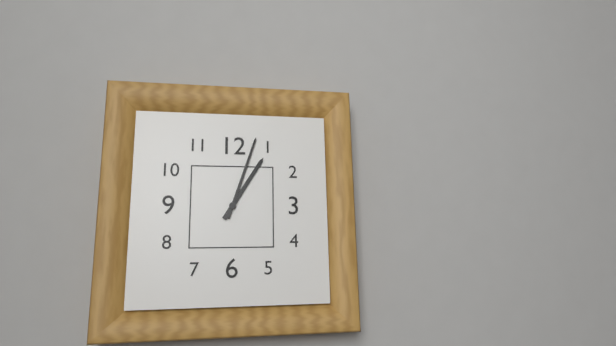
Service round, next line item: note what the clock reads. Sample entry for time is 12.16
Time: 1.03
